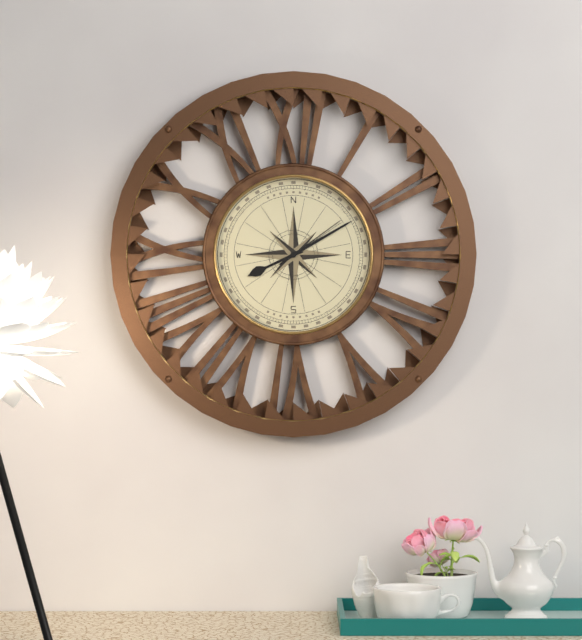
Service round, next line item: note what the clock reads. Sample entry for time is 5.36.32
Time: 8.10.09
